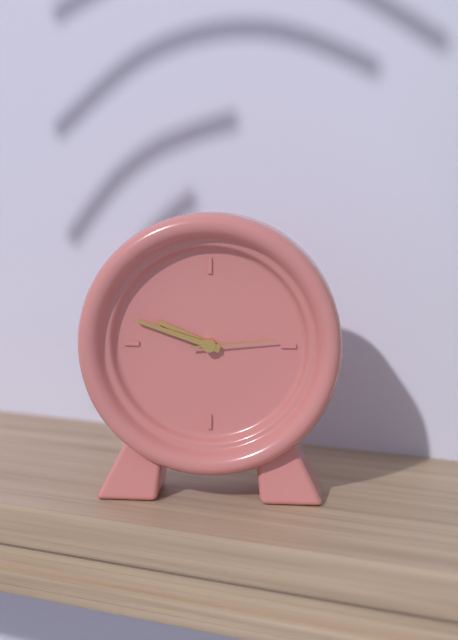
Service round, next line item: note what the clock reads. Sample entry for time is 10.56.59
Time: 9.48.14
